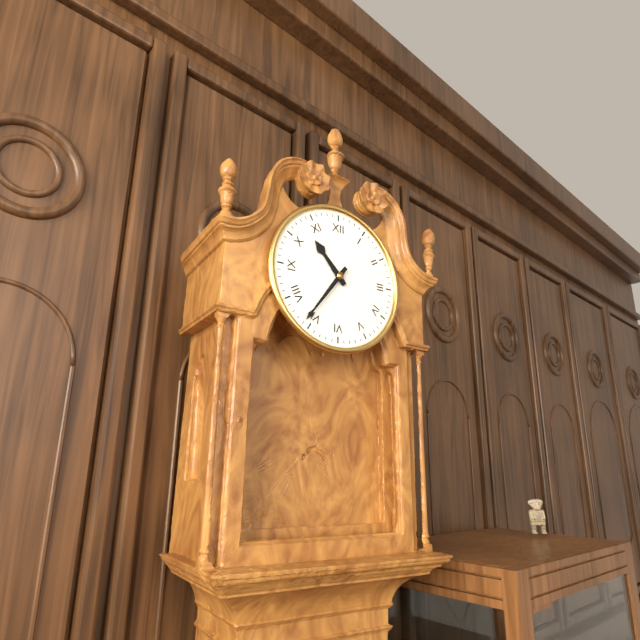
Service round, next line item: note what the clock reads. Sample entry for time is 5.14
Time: 10.36
